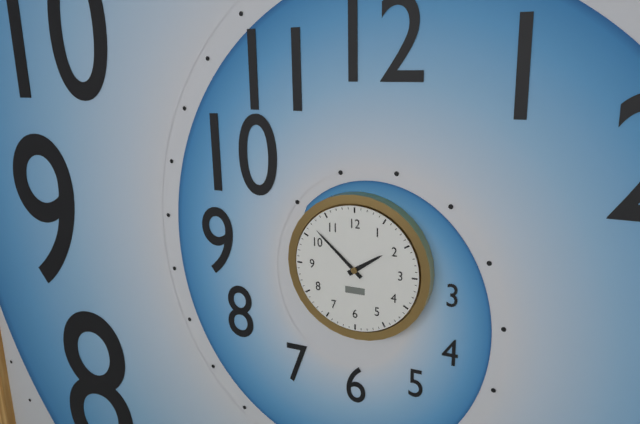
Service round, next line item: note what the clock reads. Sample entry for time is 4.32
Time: 1.52
